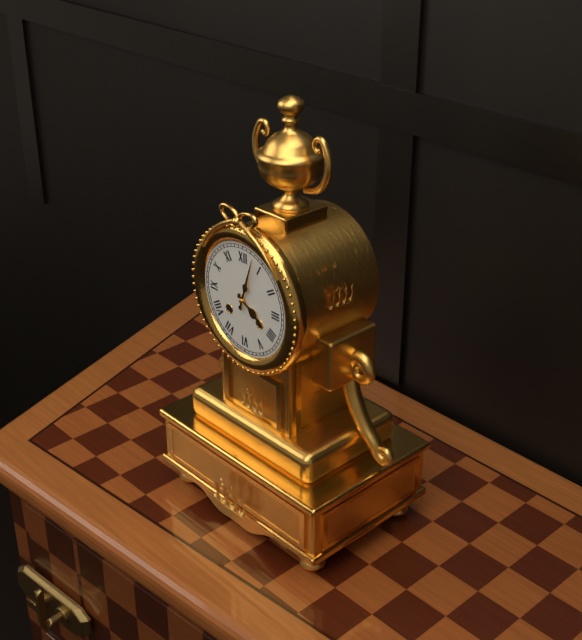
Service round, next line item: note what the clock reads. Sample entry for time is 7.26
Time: 4.03
